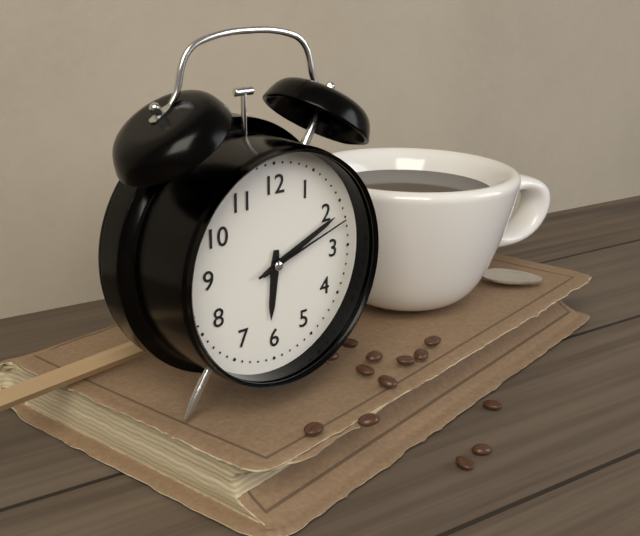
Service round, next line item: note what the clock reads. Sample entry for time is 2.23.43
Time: 6.11.12
